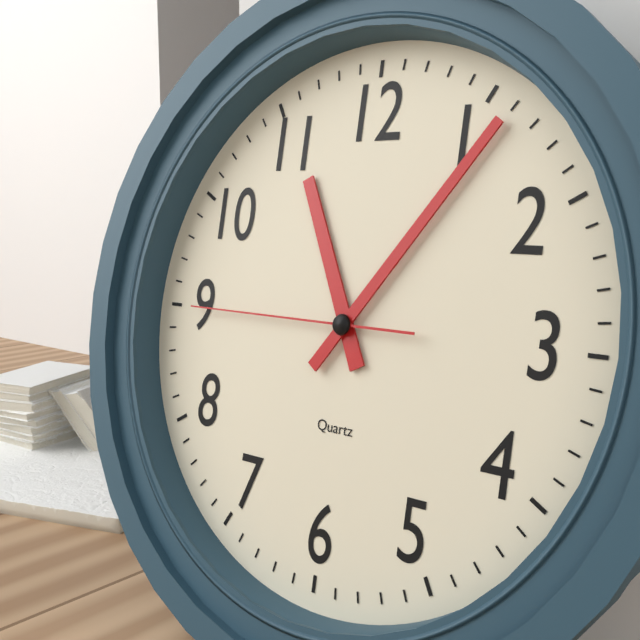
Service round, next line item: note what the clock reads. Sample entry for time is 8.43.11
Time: 11.06.45
